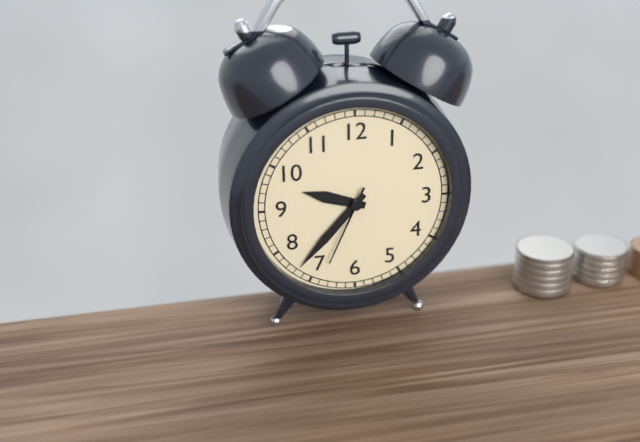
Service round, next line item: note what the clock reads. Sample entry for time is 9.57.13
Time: 9.37.34
